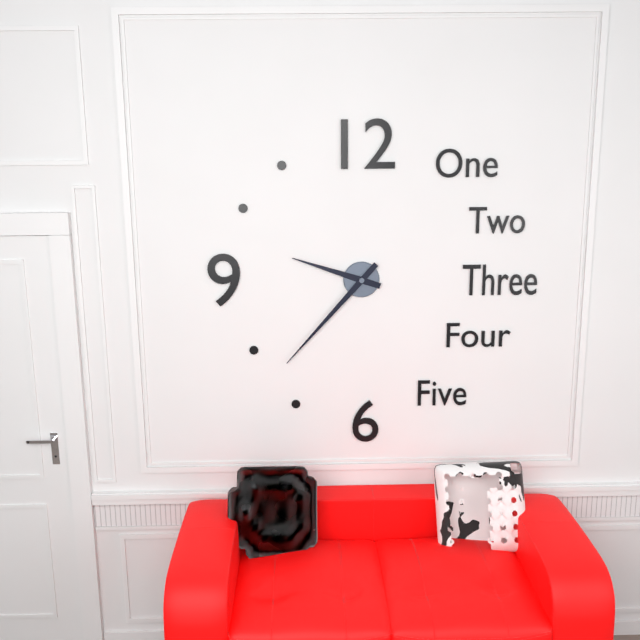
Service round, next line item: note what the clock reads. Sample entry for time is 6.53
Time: 9.37
